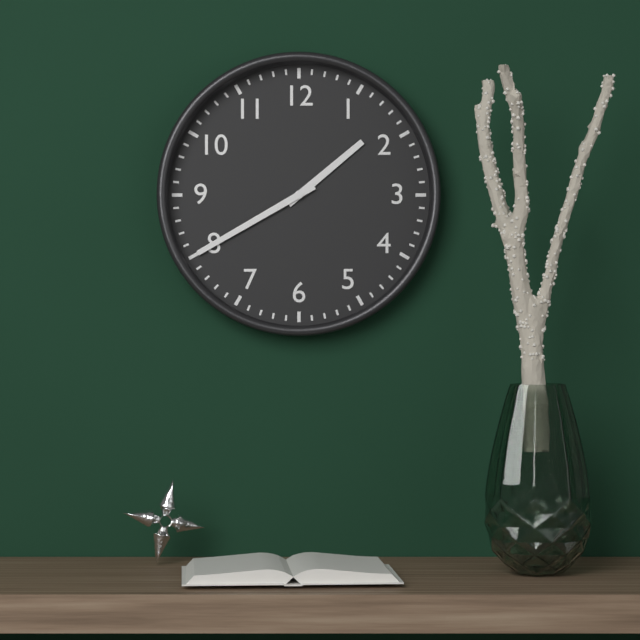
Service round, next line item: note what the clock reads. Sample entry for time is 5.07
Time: 1.40
